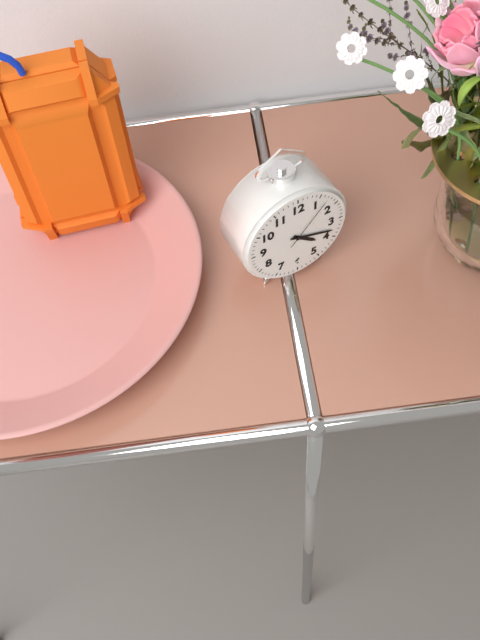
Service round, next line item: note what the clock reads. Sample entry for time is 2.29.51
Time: 4.18.07
